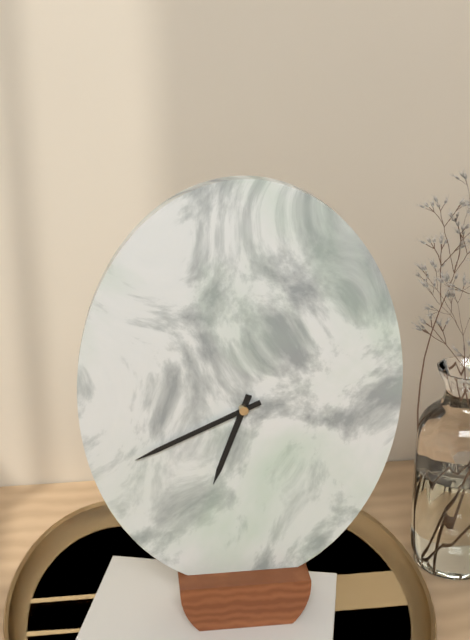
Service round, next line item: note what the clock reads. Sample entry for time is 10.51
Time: 6.41
